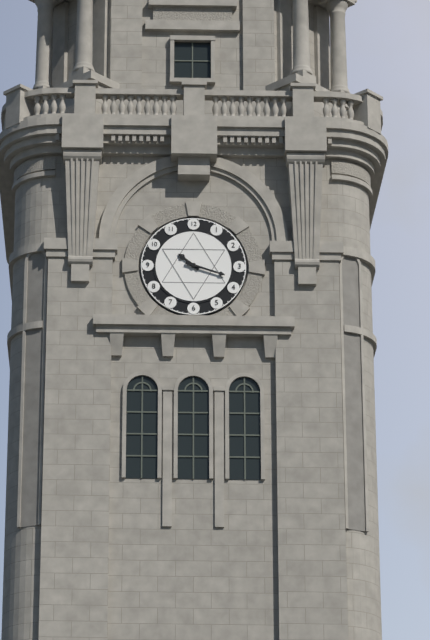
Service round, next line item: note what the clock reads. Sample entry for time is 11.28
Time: 10.18
